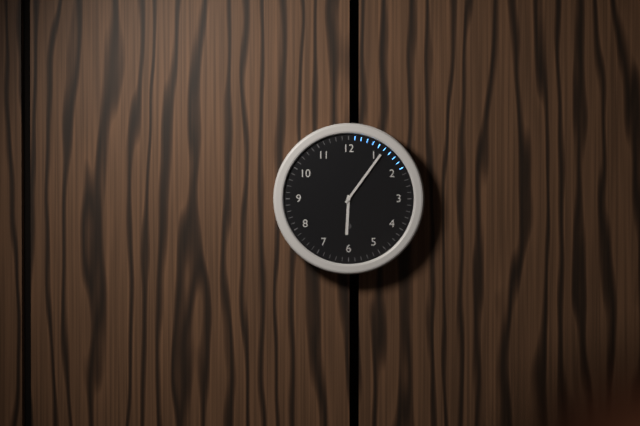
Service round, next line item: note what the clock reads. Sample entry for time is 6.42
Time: 6.06
